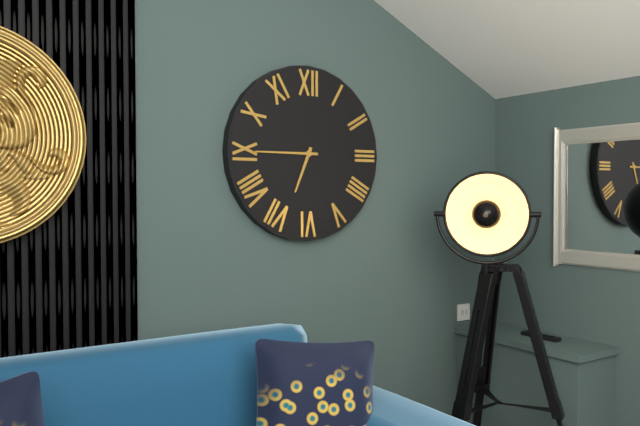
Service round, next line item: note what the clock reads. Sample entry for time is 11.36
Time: 6.45
